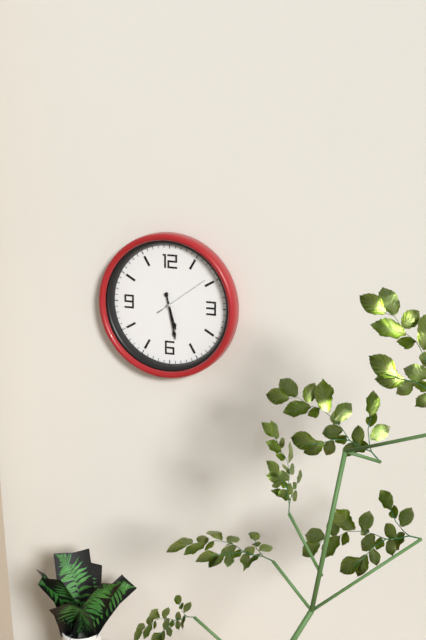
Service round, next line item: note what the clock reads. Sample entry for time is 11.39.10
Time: 5.28.09
